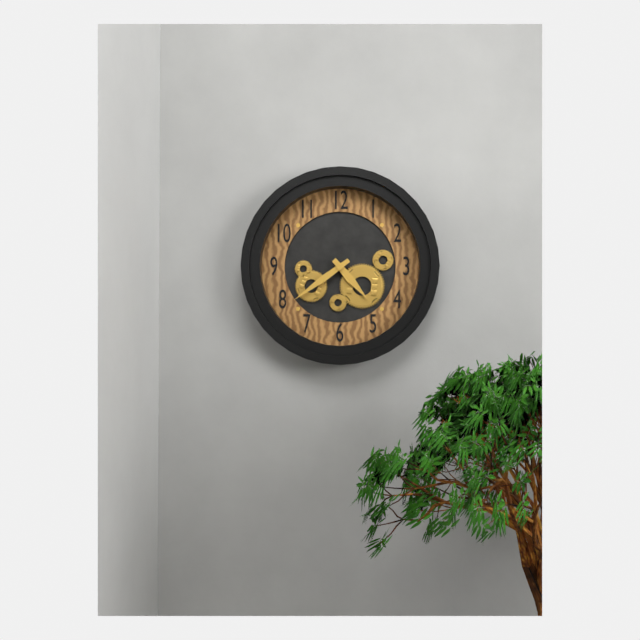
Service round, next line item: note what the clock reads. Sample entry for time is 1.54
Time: 4.39
